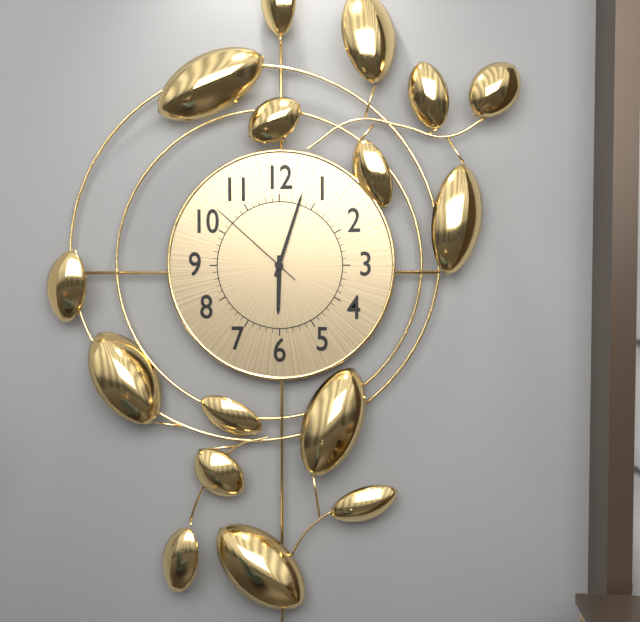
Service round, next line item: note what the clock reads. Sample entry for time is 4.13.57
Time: 6.03.52
